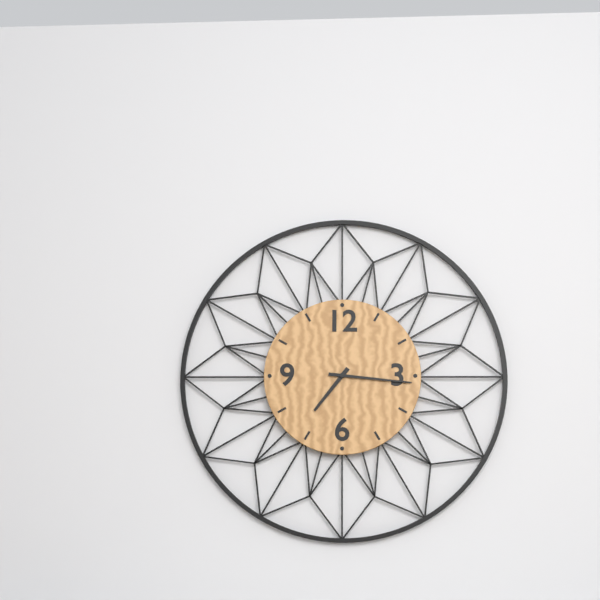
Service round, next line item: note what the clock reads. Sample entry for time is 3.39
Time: 7.16
